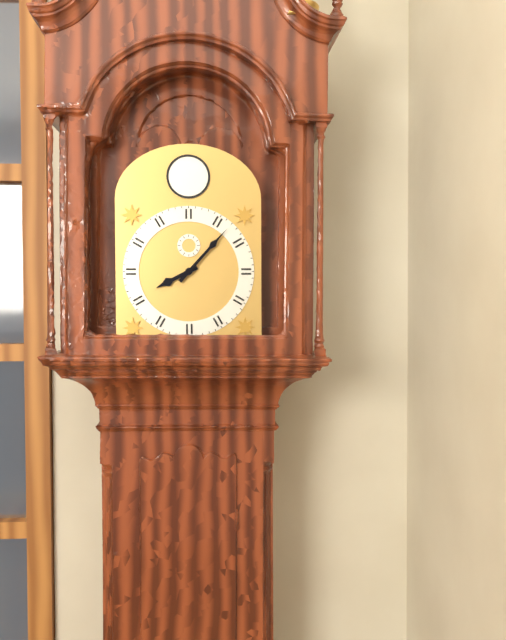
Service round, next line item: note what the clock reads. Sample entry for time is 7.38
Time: 8.07
